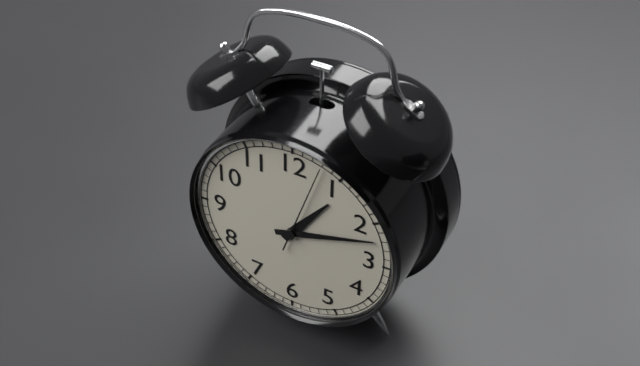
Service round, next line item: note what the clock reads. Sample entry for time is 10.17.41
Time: 1.12.03
